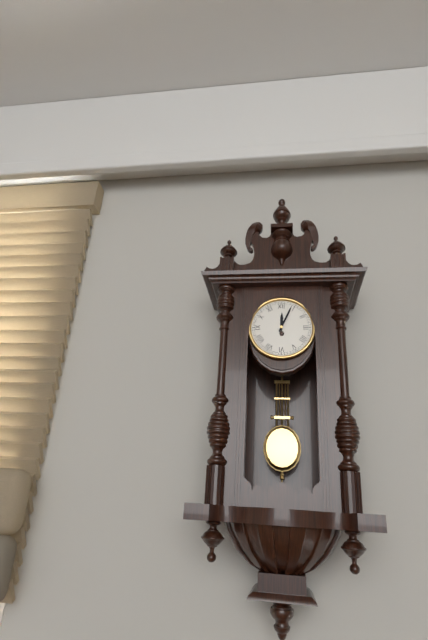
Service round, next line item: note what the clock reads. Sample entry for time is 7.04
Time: 12.04
